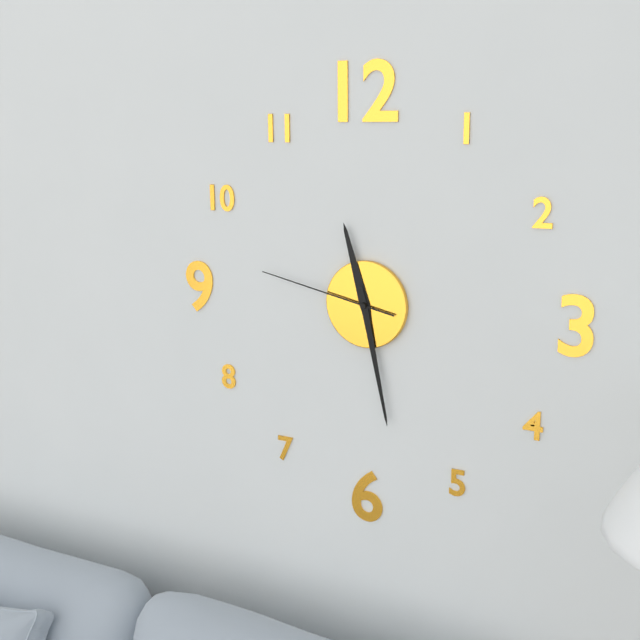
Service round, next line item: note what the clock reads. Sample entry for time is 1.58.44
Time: 11.28.47
